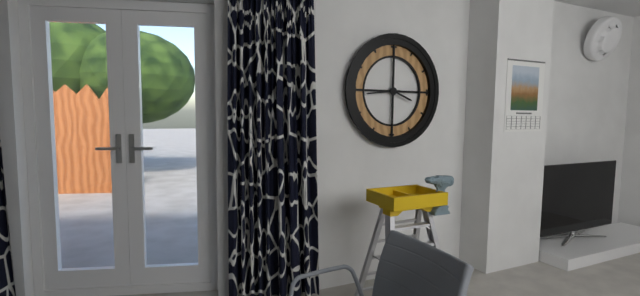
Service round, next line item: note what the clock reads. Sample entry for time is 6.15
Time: 3.44
